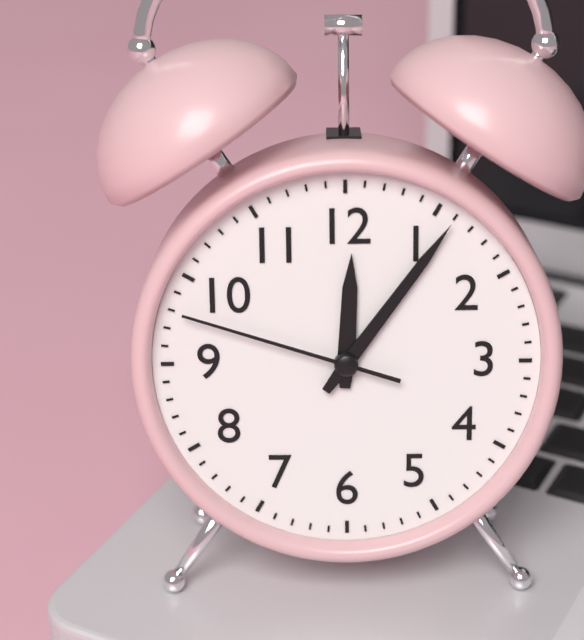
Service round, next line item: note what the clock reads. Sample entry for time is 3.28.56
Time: 12.06.48
